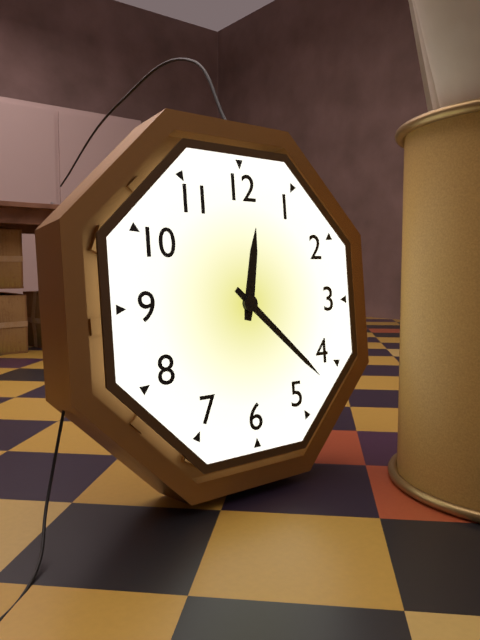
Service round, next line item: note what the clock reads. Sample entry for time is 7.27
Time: 12.22
